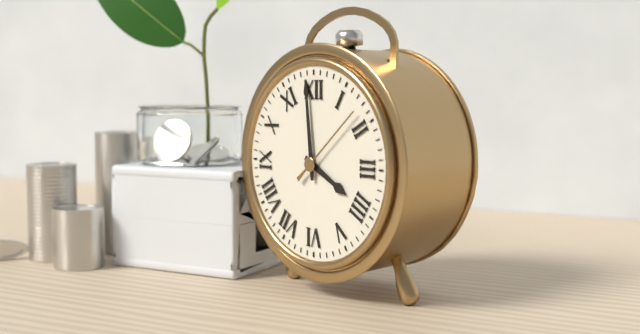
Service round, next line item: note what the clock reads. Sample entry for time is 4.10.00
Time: 3.59.08
